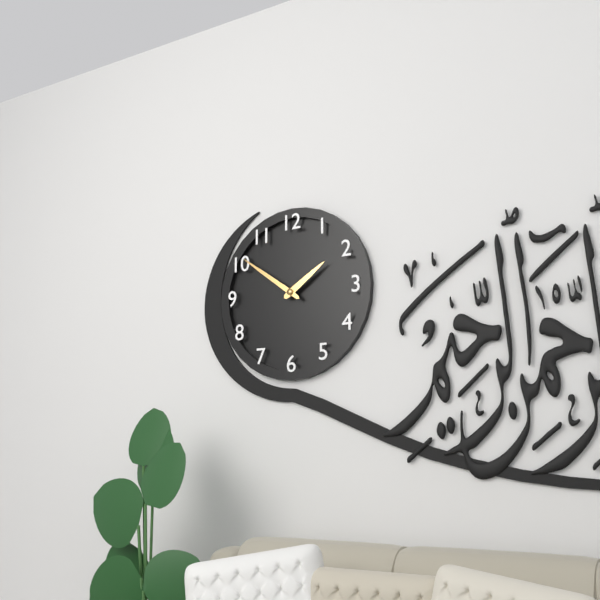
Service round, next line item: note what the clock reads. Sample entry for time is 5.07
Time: 1.51
